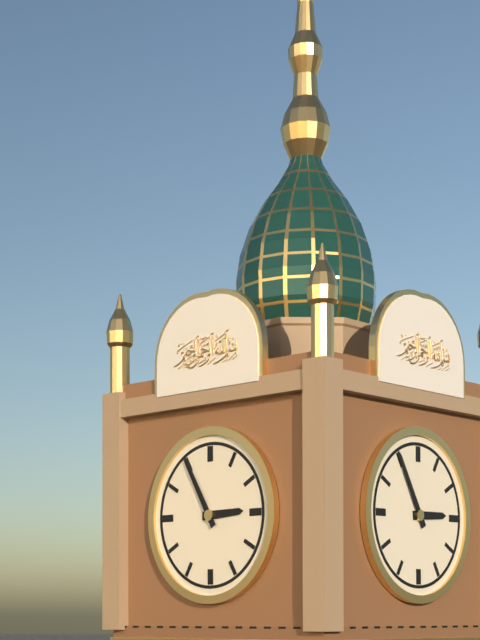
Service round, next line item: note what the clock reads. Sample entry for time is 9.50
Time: 2.55
